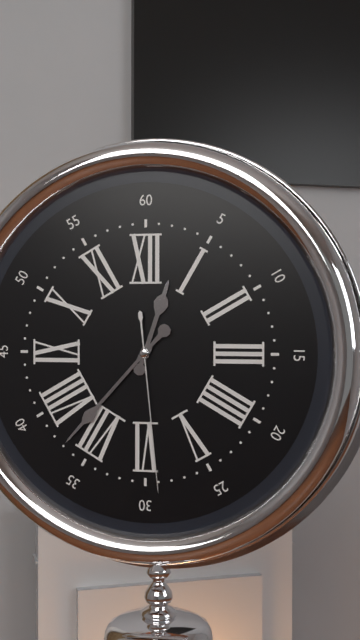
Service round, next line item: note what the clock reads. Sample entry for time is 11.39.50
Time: 12.37.29
